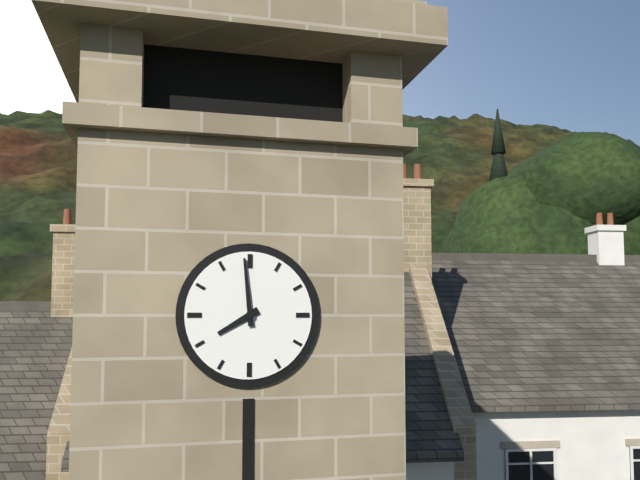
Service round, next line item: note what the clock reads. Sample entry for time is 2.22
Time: 7.59
